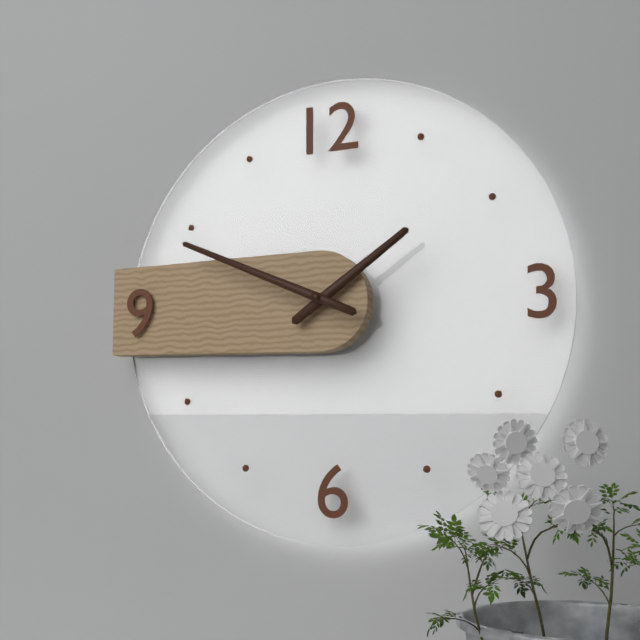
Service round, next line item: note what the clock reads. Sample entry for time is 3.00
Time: 1.49
